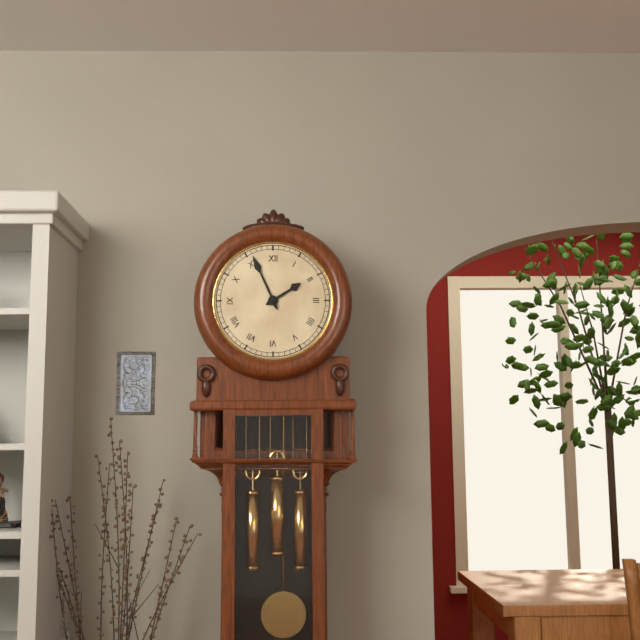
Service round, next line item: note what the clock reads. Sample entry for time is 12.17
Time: 1.56
